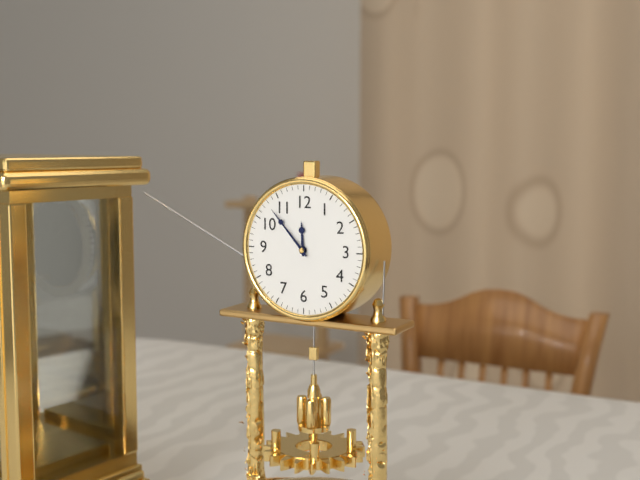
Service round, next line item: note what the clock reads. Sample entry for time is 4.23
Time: 11.53
